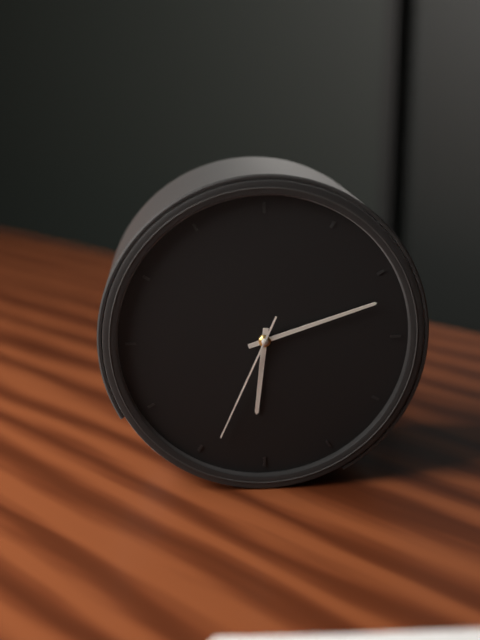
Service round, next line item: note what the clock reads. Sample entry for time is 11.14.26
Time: 6.12.34
